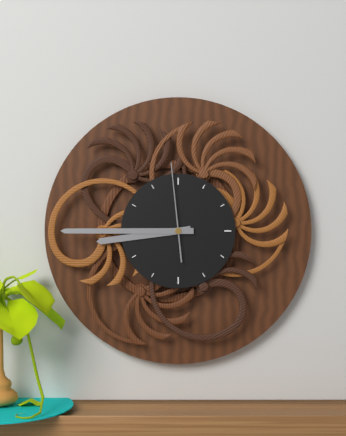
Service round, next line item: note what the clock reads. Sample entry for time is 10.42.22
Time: 8.45.59
